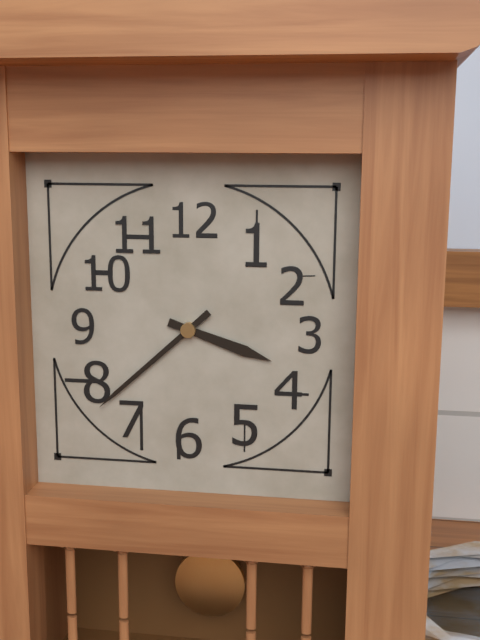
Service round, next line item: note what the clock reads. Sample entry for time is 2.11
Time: 3.38
